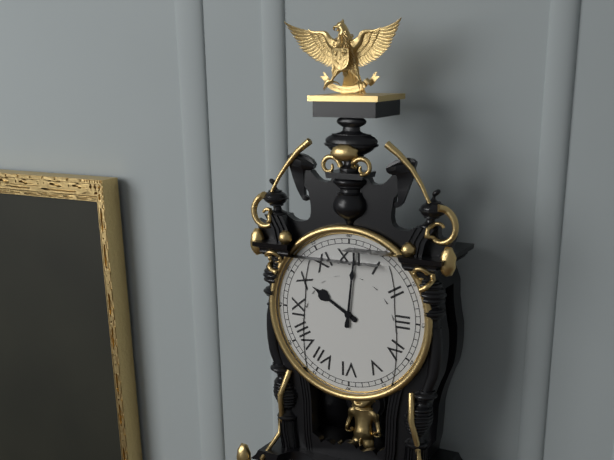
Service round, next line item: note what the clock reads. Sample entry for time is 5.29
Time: 10.01
